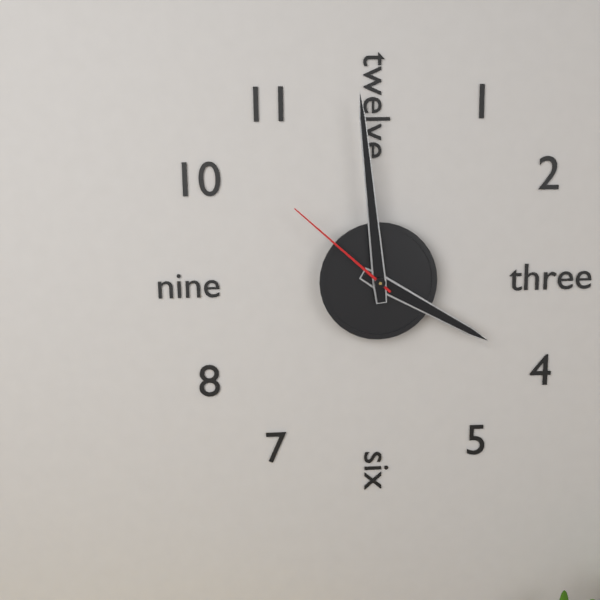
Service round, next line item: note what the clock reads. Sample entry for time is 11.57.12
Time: 3.59.52
